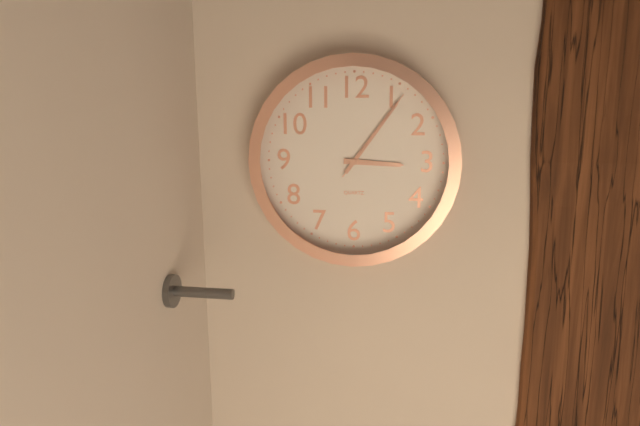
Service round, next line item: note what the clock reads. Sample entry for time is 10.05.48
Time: 3.06.06
